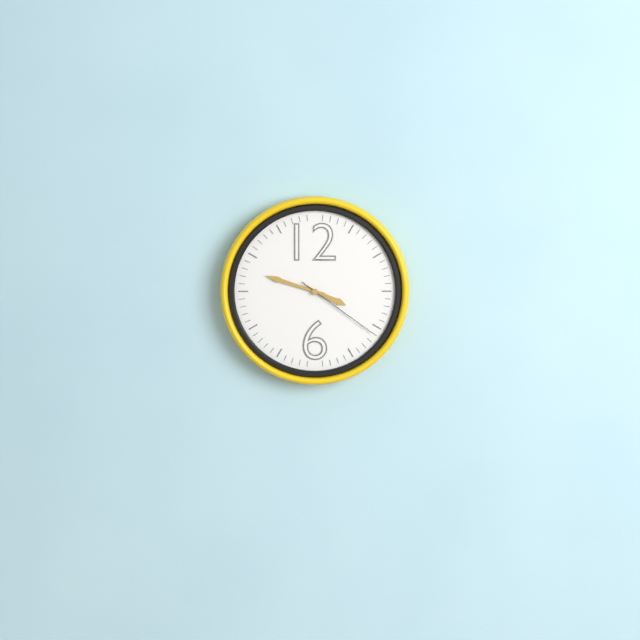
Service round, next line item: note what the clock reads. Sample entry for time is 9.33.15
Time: 3.48.21
